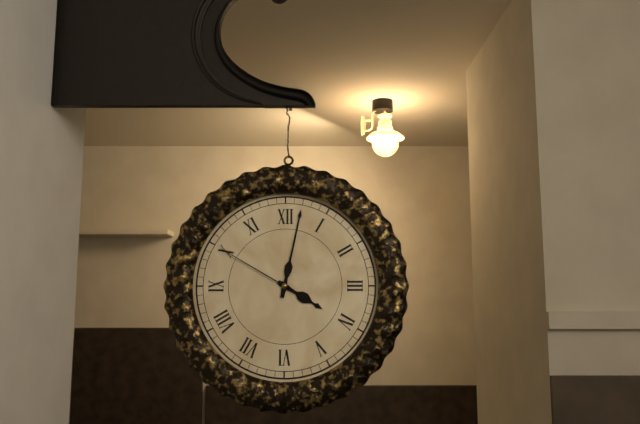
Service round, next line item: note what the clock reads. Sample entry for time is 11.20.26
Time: 4.02.50
